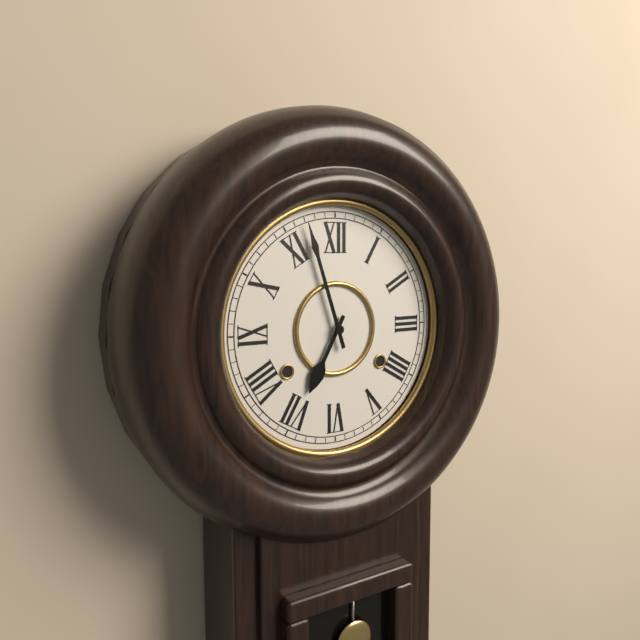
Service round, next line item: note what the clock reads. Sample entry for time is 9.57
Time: 6.57
